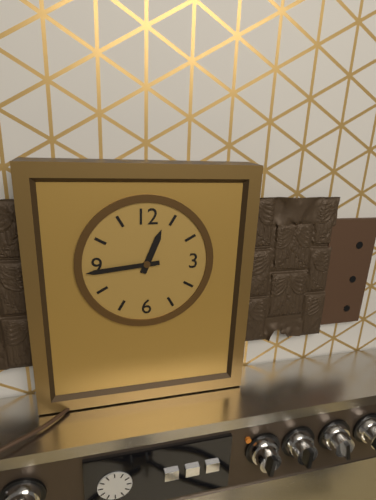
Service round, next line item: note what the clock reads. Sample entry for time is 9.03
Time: 12.44
